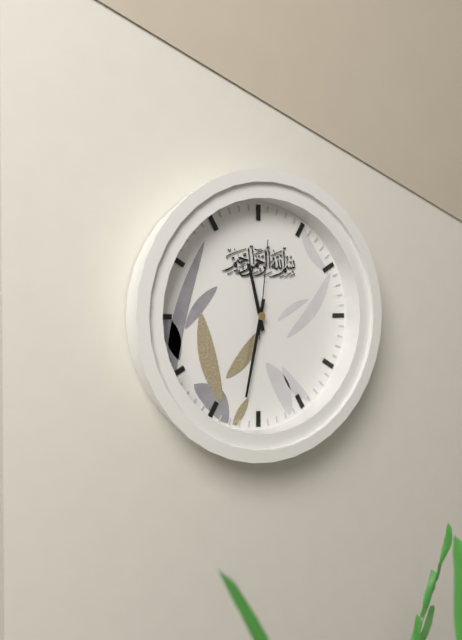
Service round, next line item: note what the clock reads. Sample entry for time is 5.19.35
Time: 11.32.01
